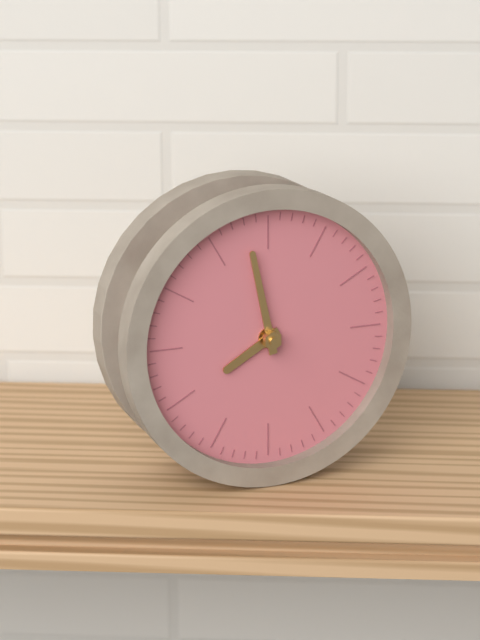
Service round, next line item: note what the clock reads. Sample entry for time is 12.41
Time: 7.58
